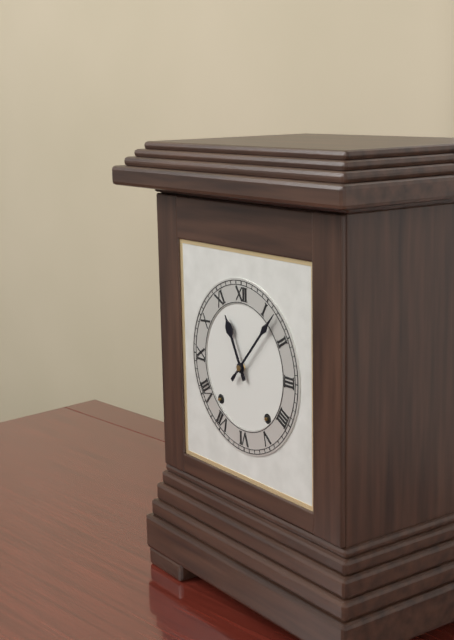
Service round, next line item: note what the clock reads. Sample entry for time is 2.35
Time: 11.07
